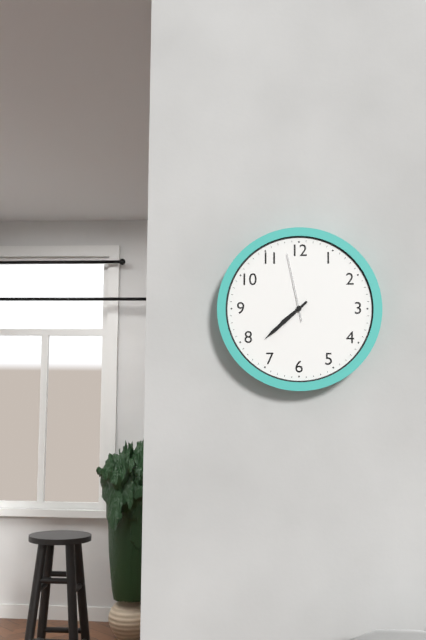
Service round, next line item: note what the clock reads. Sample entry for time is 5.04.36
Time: 7.38.58
